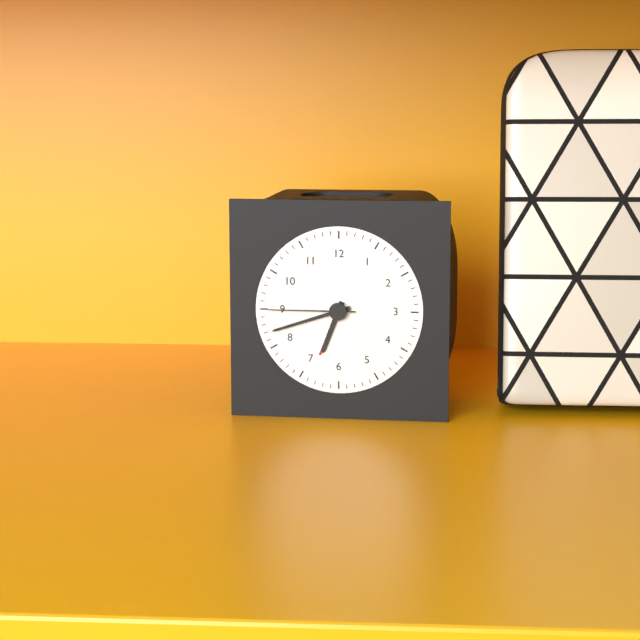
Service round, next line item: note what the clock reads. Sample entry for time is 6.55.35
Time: 6.42.45
